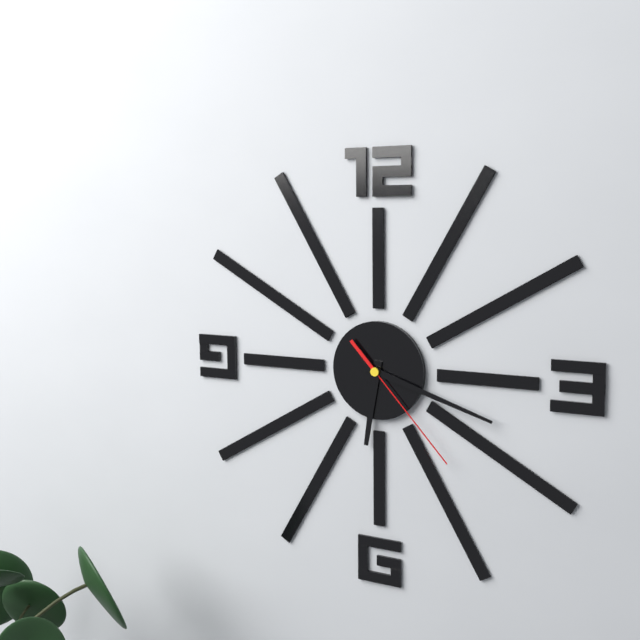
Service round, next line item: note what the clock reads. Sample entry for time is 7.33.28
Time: 6.18.23
